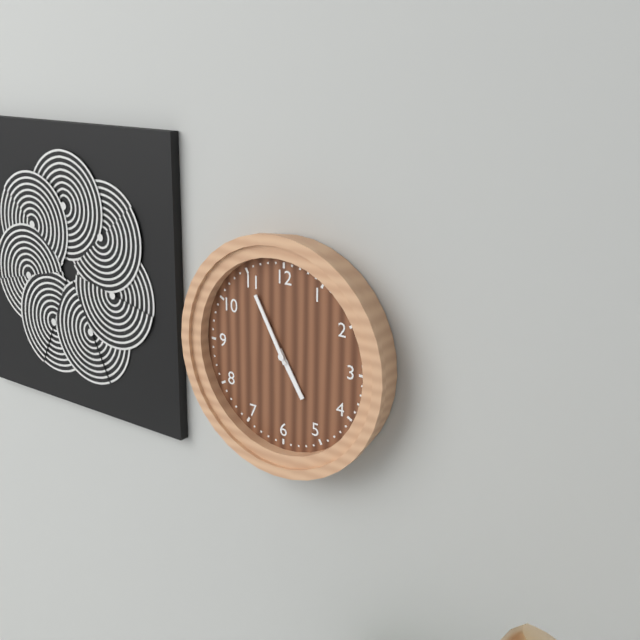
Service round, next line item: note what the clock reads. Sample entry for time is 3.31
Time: 4.55
